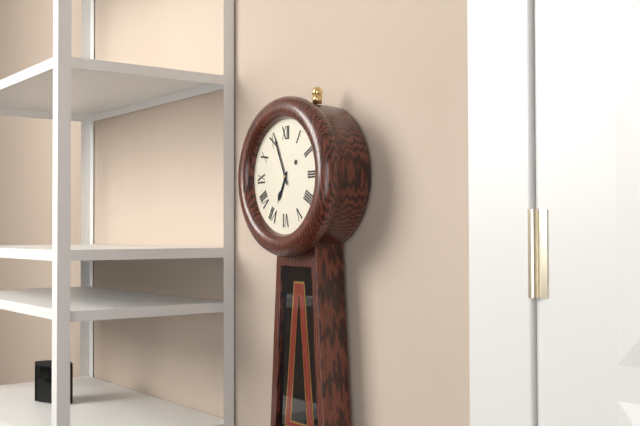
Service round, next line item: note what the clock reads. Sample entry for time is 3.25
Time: 6.56
